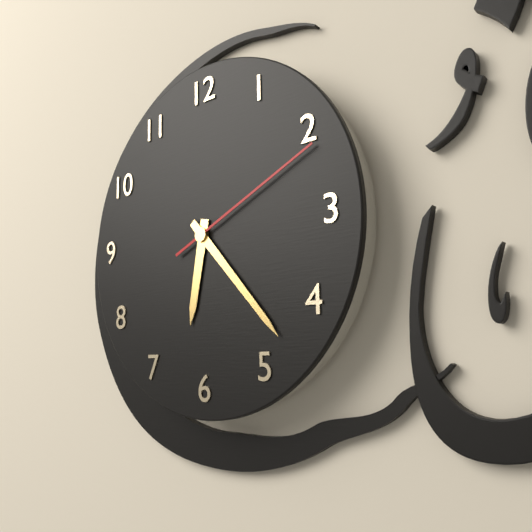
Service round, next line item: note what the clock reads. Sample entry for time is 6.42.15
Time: 6.23.11
